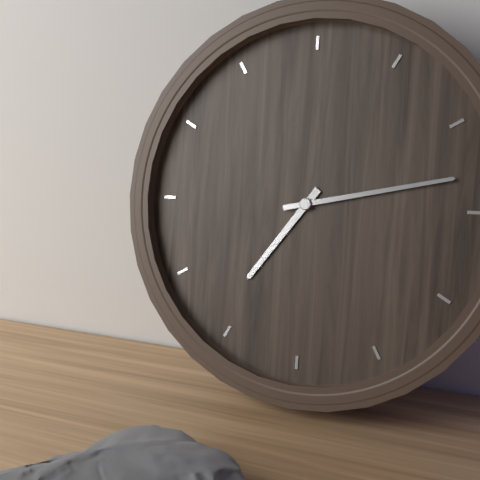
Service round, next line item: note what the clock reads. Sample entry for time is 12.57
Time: 7.13
